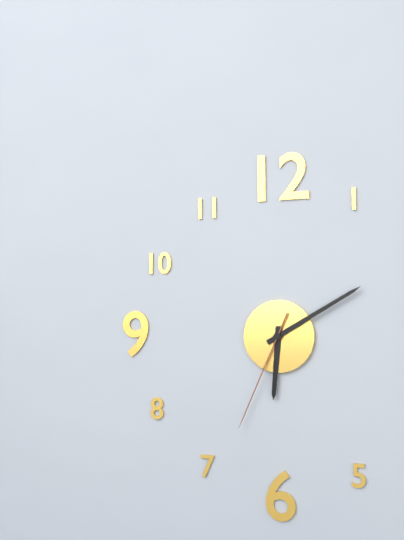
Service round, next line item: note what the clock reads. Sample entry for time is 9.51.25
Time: 6.10.34
